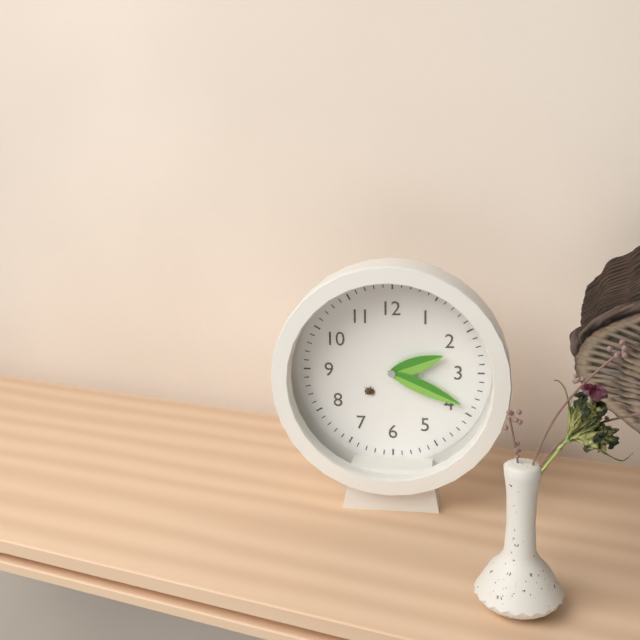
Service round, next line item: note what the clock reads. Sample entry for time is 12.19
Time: 2.19
